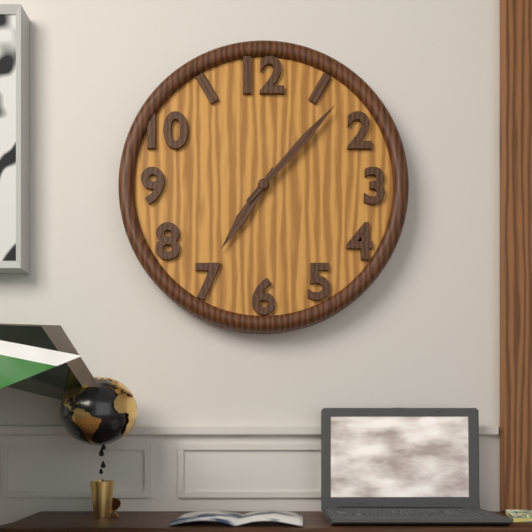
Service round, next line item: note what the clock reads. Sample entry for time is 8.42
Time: 7.07
